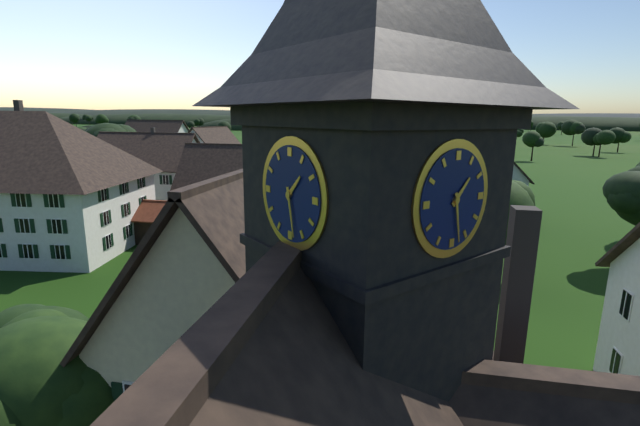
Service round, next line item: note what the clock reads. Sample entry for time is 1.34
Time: 1.28
